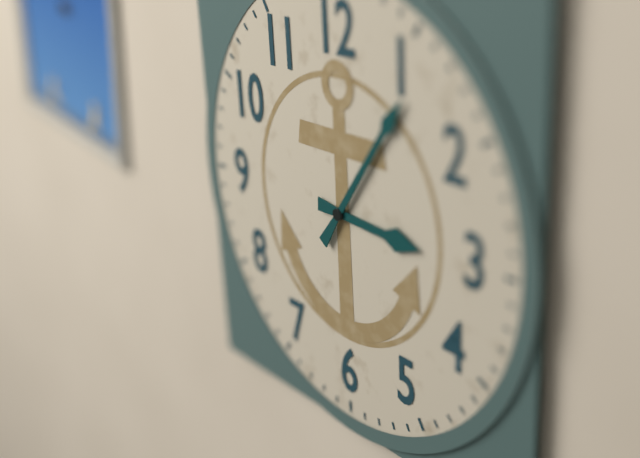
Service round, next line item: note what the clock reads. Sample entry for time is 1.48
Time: 3.06
